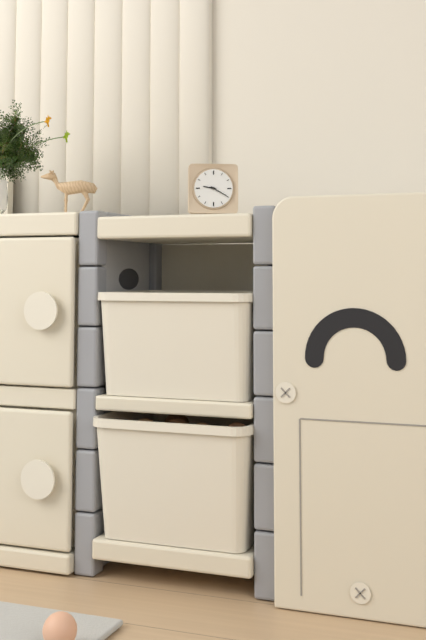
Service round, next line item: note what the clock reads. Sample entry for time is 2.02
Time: 9.20
